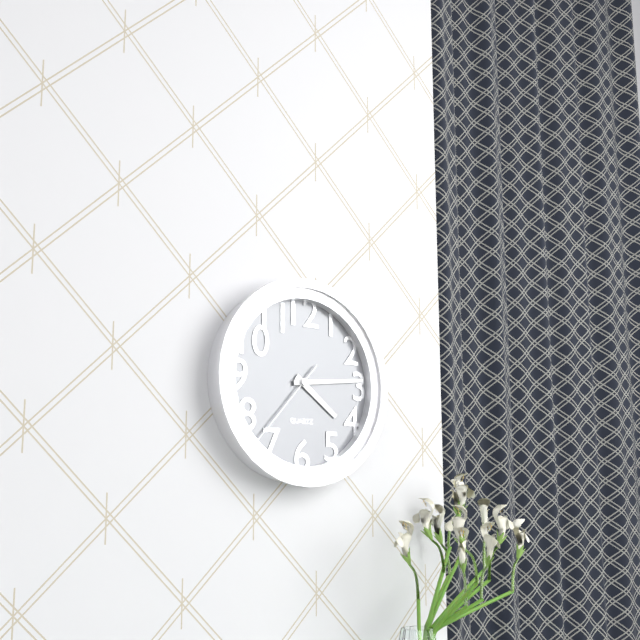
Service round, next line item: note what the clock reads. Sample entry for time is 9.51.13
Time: 4.14.37
